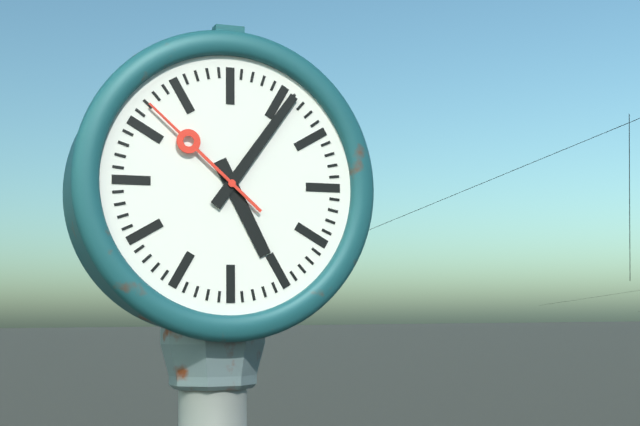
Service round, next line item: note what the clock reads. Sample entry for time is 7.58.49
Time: 5.06.52
